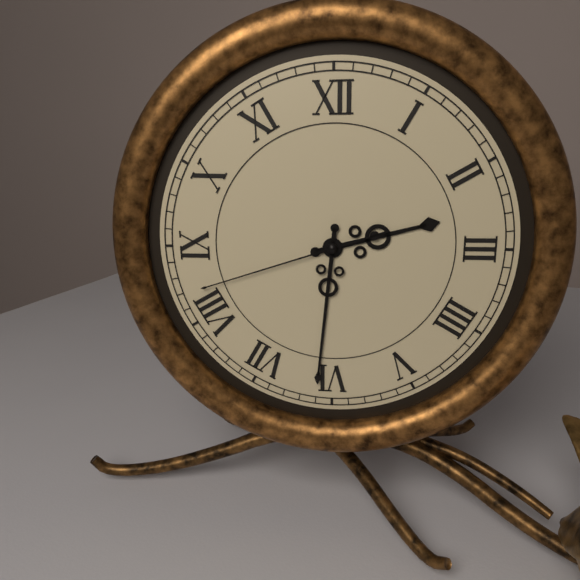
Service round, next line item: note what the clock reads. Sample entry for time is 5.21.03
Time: 2.31.42
